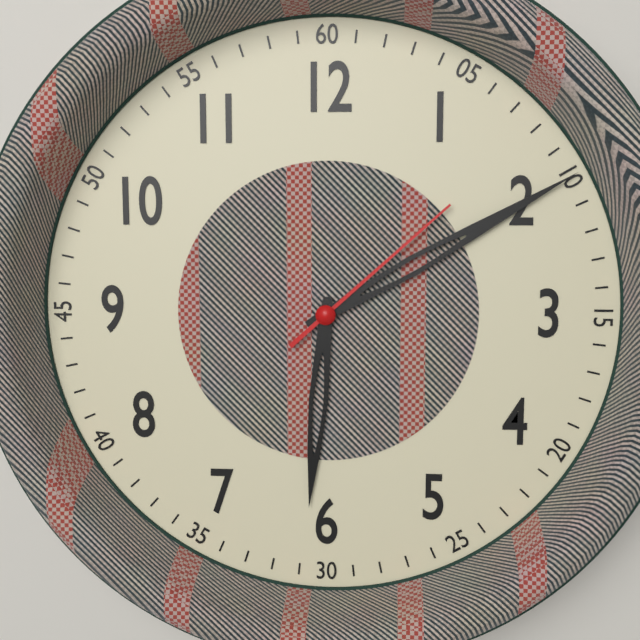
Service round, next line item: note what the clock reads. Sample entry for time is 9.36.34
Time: 6.10.08
